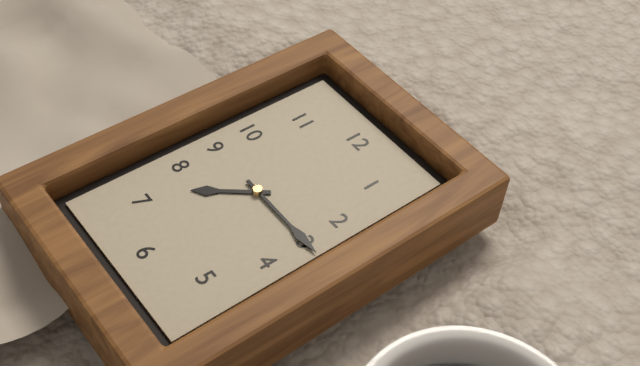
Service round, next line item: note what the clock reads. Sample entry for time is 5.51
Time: 7.15
